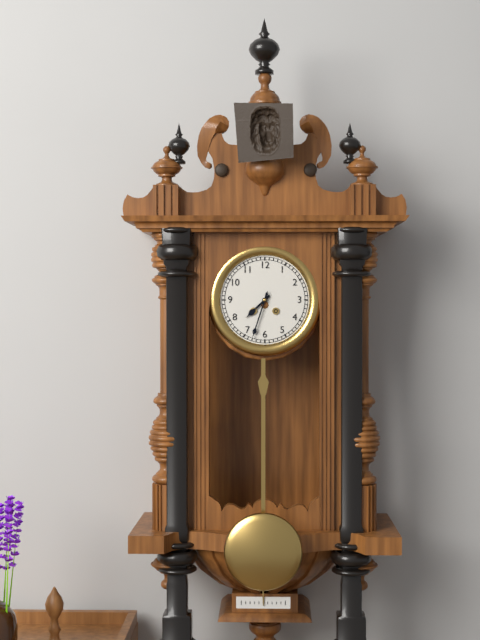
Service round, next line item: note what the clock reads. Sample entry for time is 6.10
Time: 7.33
